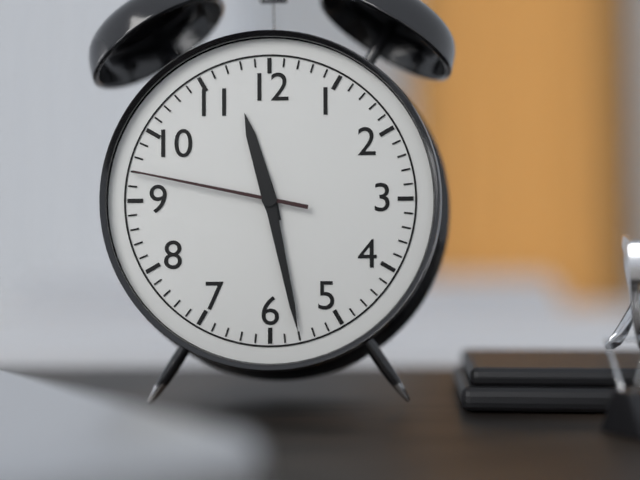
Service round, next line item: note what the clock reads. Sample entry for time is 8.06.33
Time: 11.28.47
